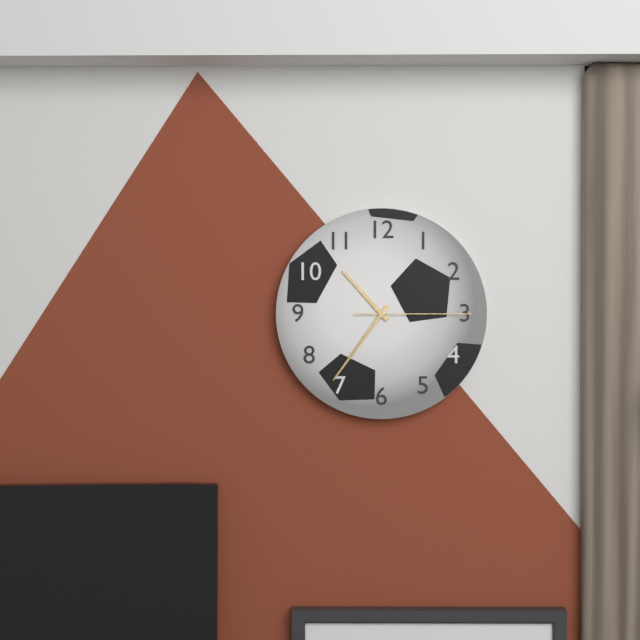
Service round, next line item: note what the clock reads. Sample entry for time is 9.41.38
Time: 10.36.15
